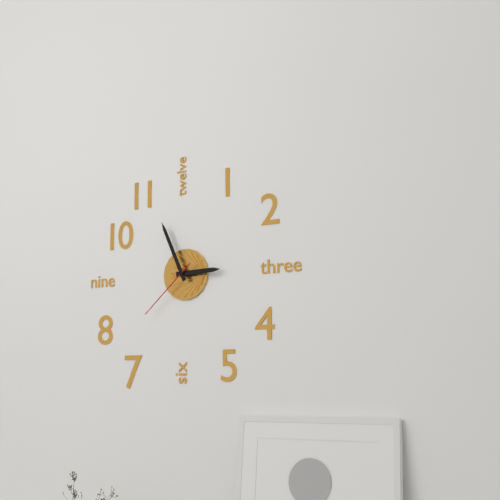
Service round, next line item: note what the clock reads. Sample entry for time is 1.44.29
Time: 2.56.38
